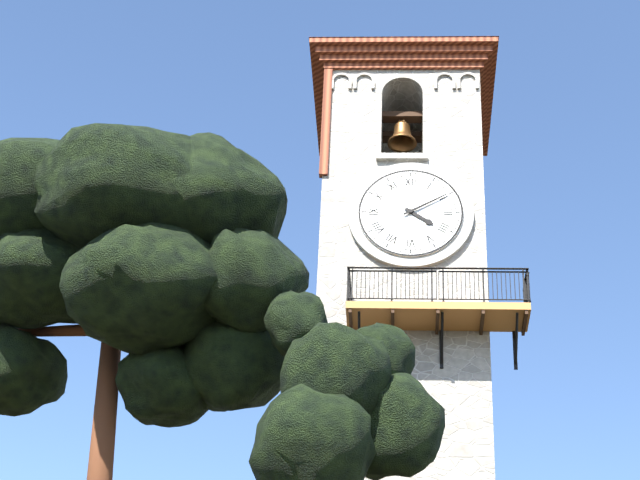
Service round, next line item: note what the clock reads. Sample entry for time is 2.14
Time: 4.10
